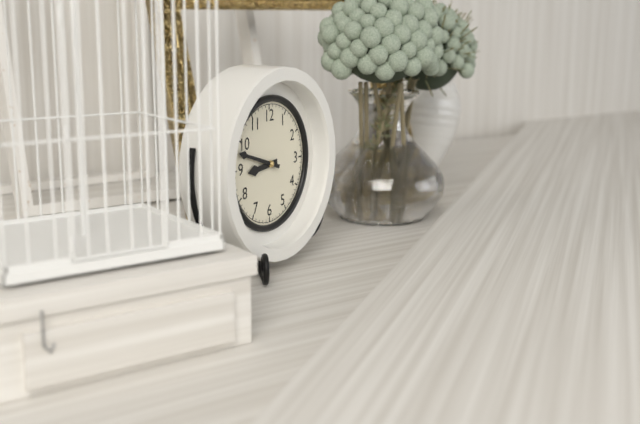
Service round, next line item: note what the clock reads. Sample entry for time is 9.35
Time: 8.48
